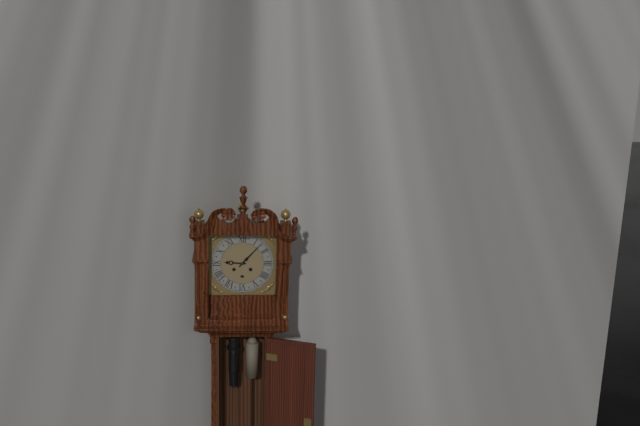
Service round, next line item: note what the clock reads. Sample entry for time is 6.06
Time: 9.07
